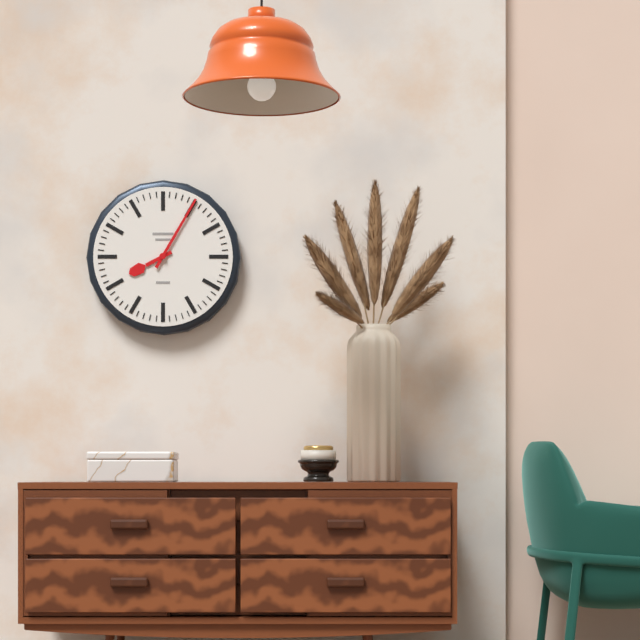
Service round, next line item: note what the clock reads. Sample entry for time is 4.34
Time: 8.05
